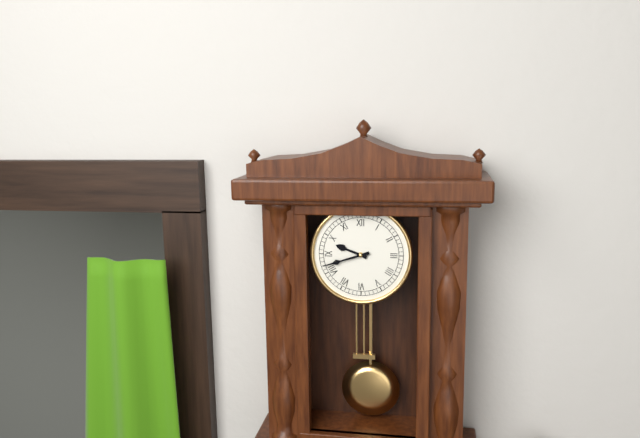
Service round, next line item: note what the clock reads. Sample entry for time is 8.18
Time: 9.42
